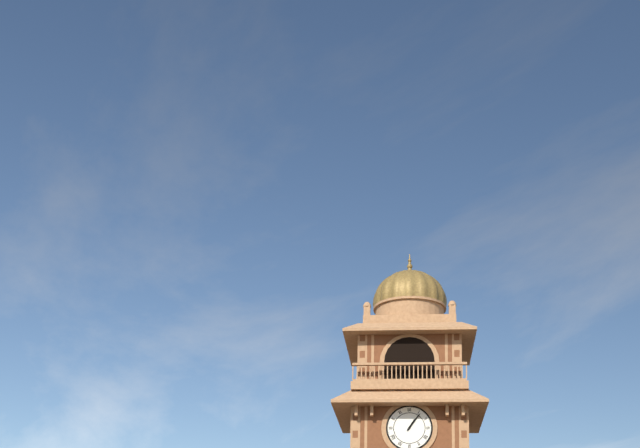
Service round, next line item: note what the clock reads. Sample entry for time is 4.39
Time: 1.06
